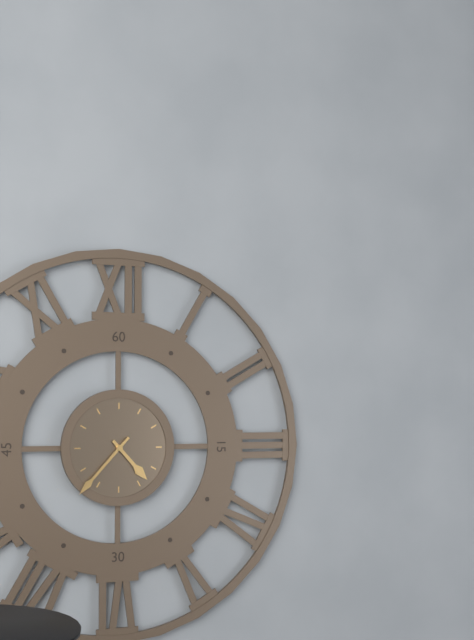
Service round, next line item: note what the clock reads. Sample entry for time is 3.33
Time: 4.37
